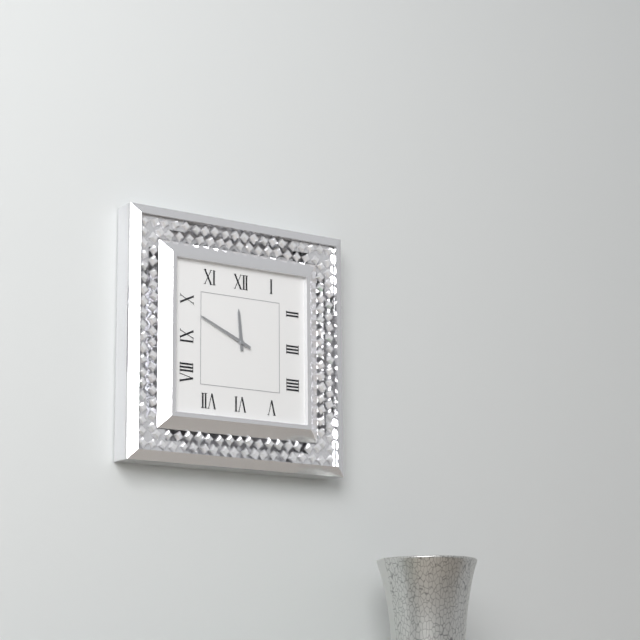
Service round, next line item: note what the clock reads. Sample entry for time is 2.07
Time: 11.49
